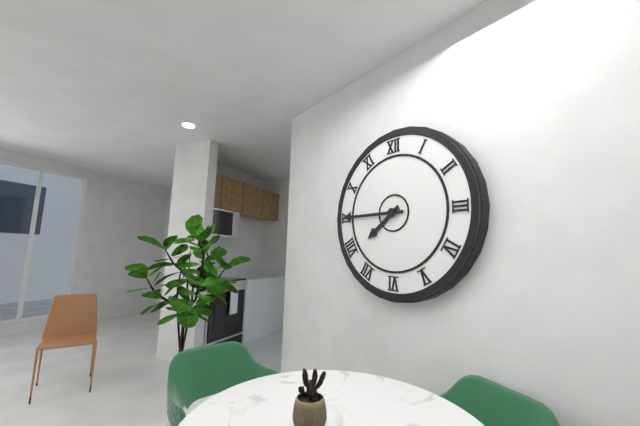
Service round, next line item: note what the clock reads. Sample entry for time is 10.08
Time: 7.45
